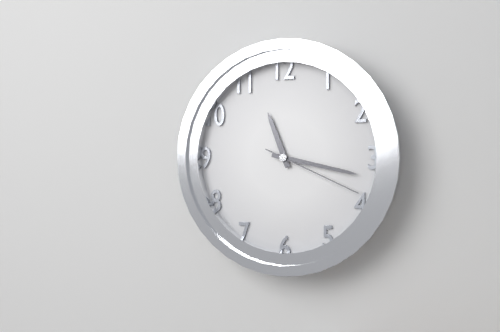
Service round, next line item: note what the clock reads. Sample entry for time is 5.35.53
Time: 11.17.19
